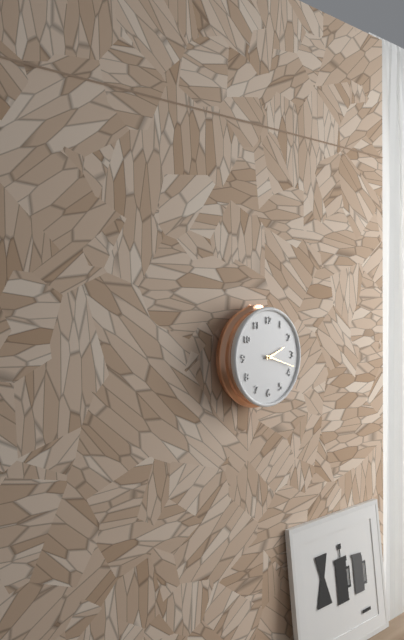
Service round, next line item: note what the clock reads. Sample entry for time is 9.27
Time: 2.18
